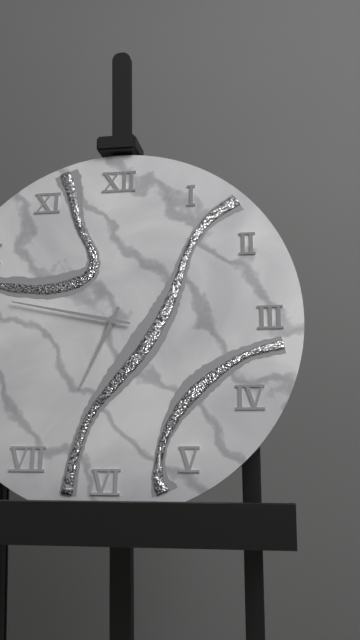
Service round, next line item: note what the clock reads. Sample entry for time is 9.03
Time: 6.47
